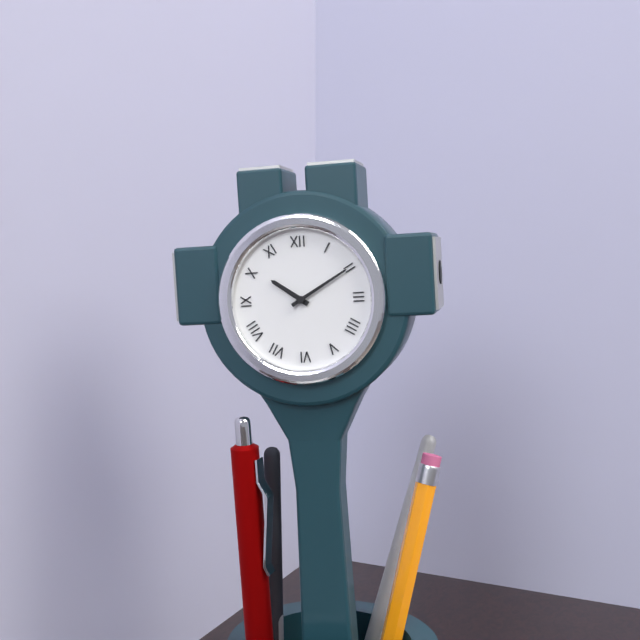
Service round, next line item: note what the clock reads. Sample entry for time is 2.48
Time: 10.10
